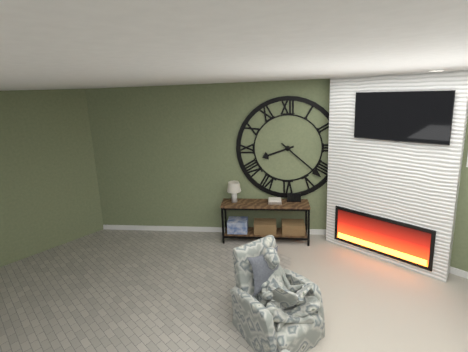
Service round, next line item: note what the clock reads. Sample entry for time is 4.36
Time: 8.22
